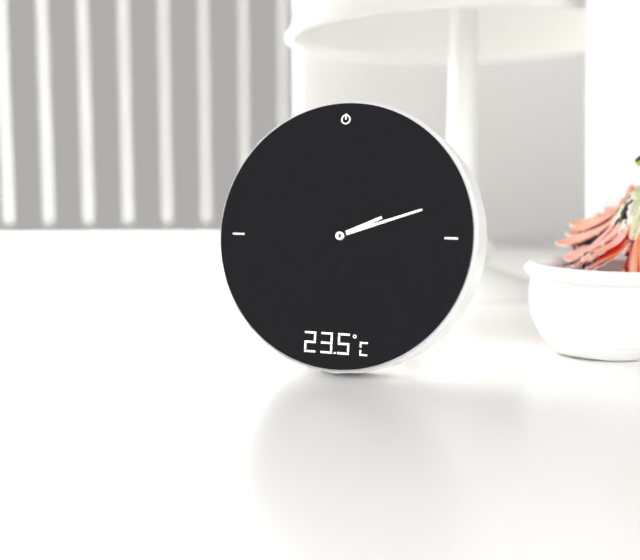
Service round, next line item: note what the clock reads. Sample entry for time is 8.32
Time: 2.12
